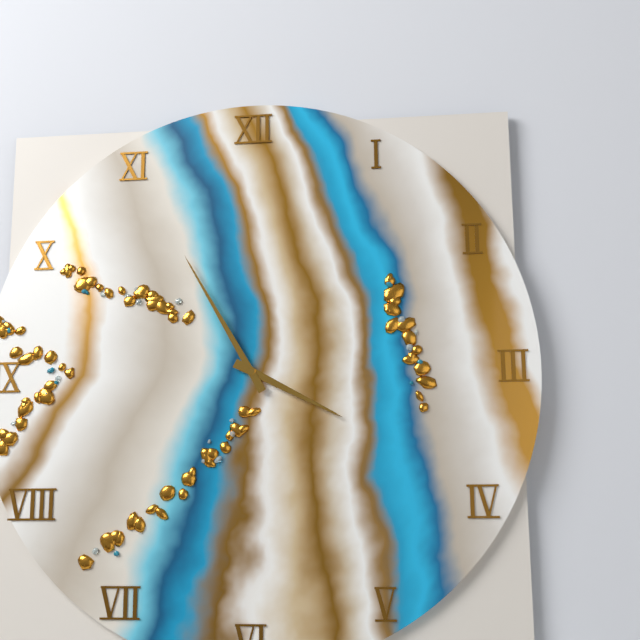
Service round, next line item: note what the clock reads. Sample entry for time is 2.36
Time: 3.55
